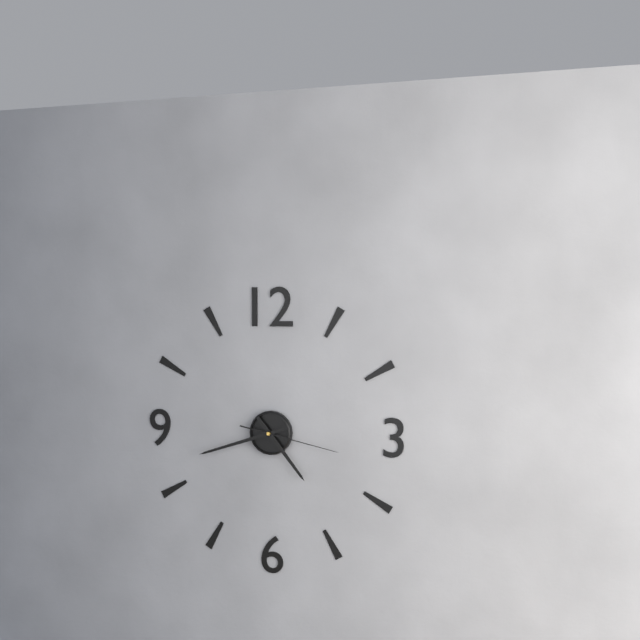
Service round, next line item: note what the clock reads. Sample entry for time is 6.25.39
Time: 4.42.17
